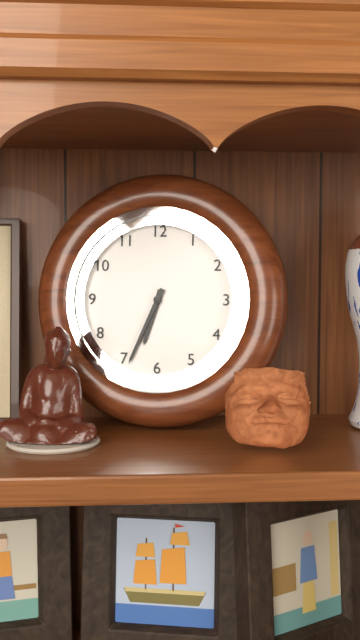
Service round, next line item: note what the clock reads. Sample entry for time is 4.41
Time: 6.34
